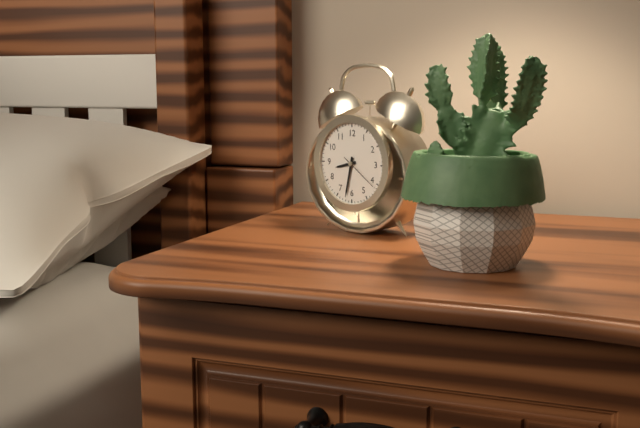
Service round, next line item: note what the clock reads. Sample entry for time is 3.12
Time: 8.32
